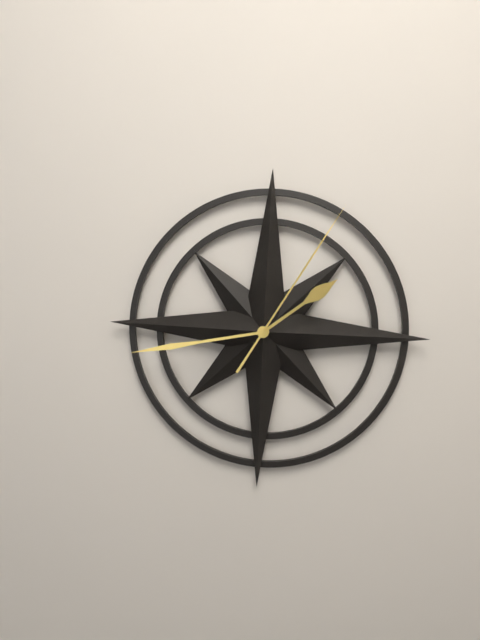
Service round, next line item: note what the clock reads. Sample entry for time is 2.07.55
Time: 1.43.05
